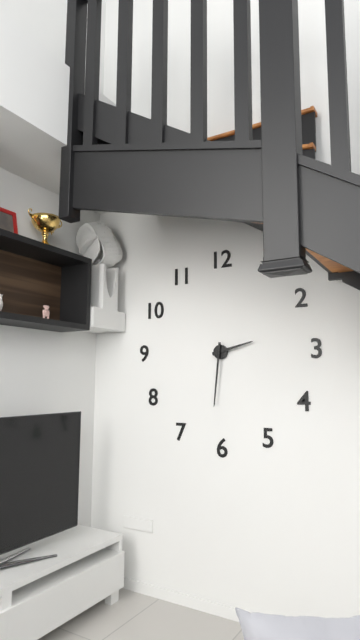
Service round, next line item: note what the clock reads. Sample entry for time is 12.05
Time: 2.31
